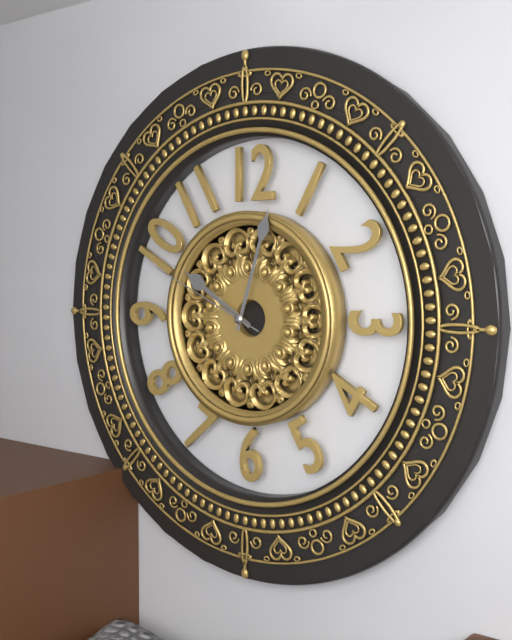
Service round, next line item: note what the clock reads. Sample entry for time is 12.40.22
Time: 10.03.49
